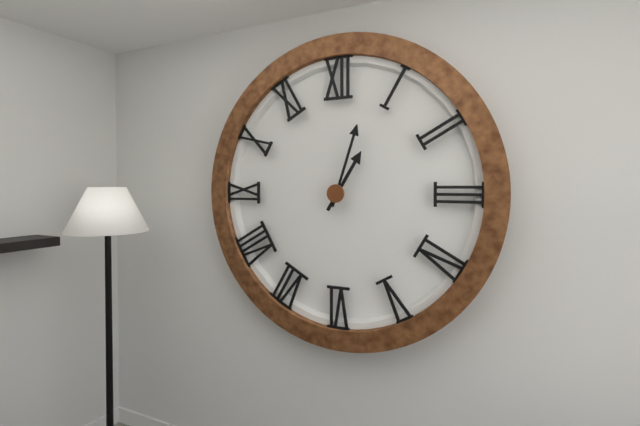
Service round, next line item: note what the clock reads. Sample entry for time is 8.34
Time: 1.03
